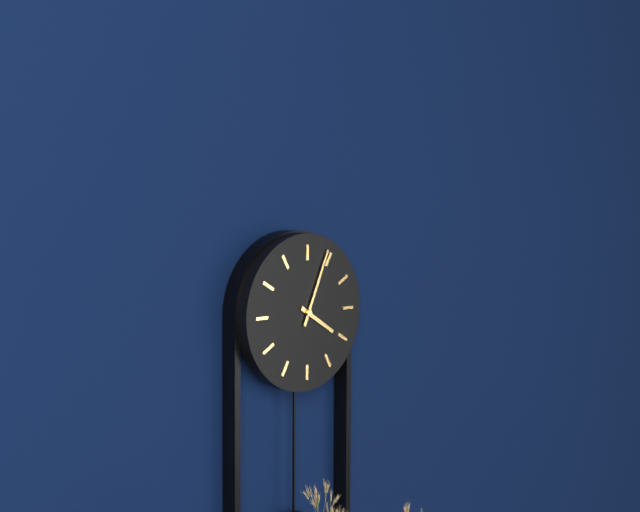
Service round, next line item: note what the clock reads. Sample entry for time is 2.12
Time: 4.04
